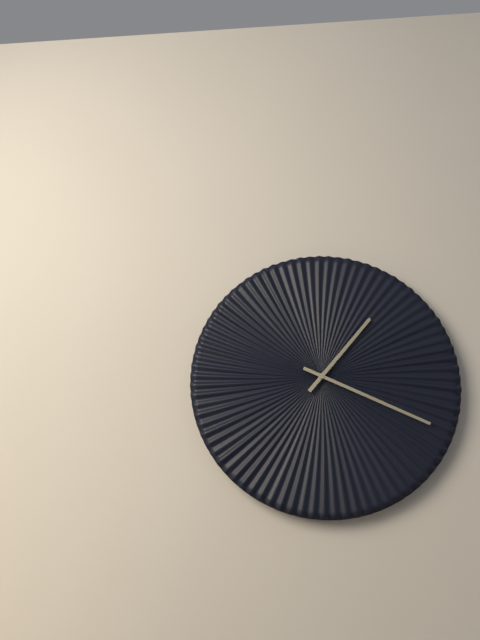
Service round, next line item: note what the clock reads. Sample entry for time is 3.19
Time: 1.19
